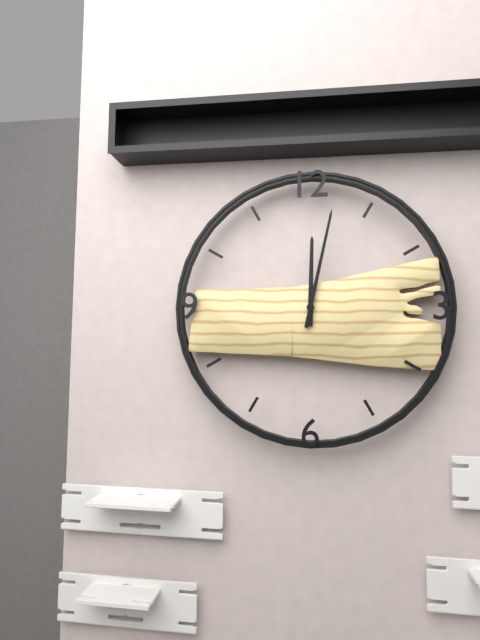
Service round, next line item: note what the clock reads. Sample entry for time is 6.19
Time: 12.02
